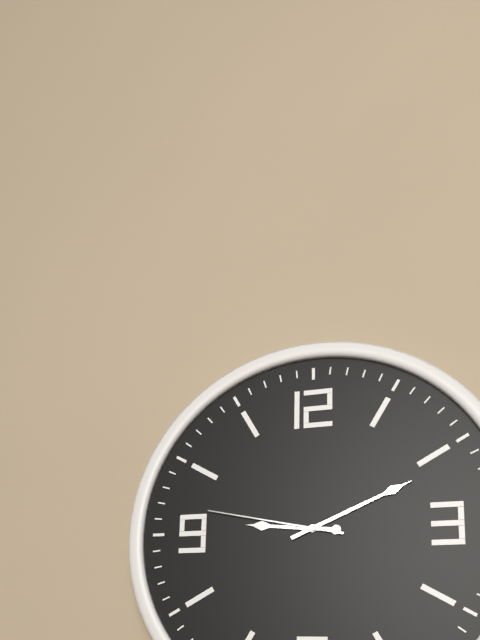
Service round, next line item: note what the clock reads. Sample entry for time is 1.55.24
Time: 9.11.47
